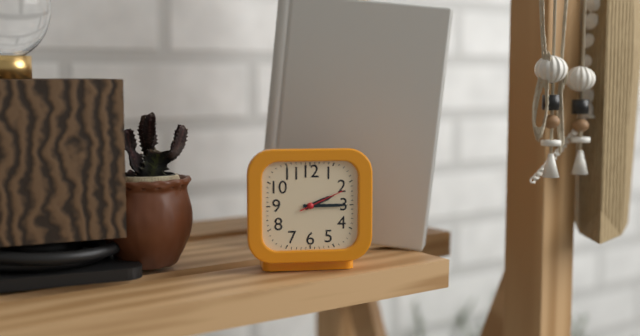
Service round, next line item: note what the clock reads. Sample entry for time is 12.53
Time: 2.15
